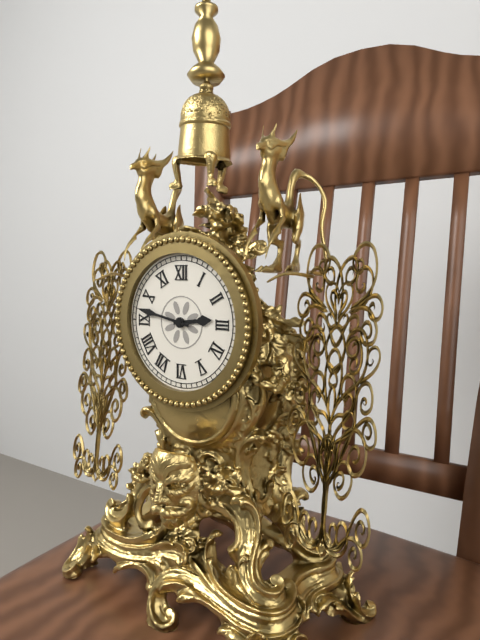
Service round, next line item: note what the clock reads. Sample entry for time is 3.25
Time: 2.47
